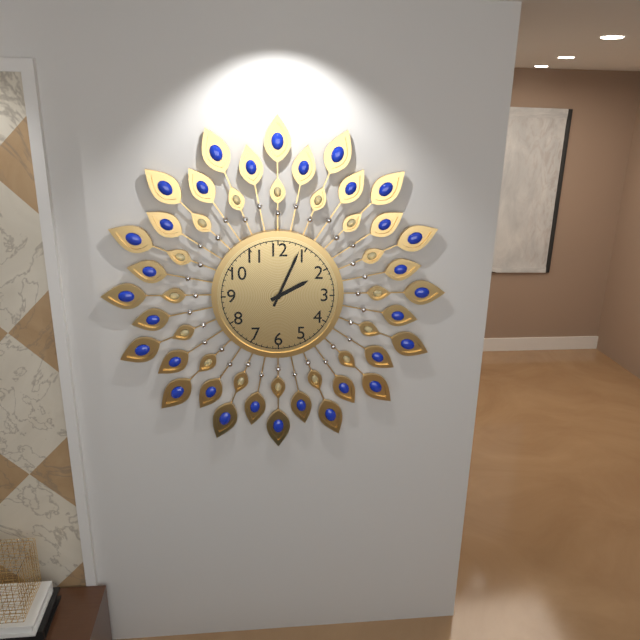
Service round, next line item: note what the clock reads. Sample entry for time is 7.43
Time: 2.04
